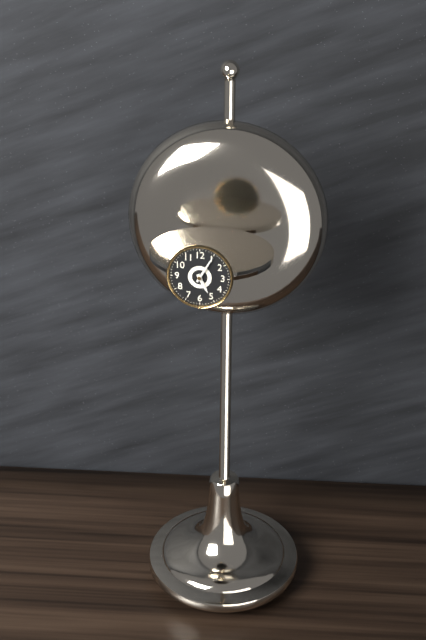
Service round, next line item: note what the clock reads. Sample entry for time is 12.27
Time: 5.05
